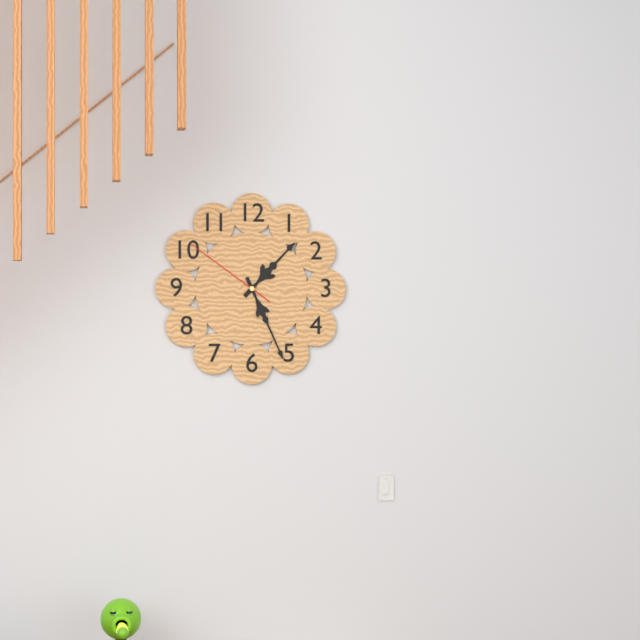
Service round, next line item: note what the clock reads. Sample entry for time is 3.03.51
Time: 1.26.51
